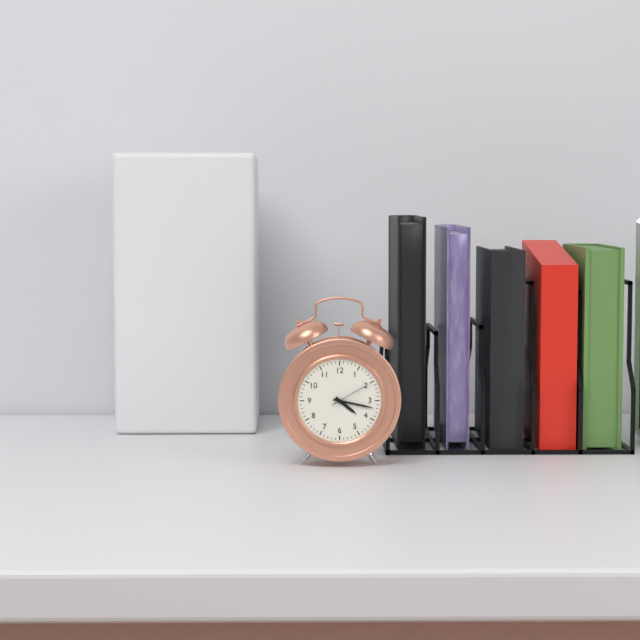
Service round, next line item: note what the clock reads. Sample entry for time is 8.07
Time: 4.17
